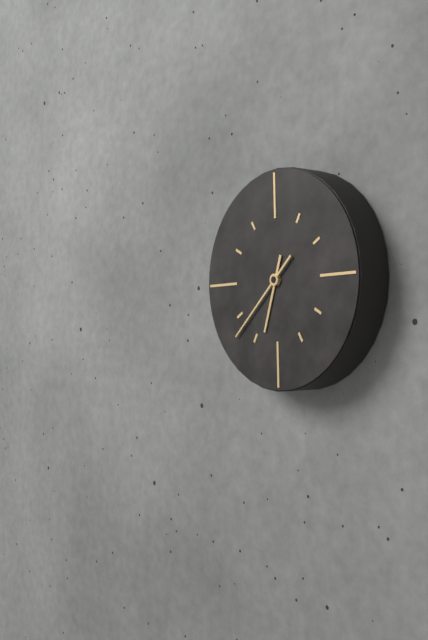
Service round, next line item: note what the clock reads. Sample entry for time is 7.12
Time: 6.38
